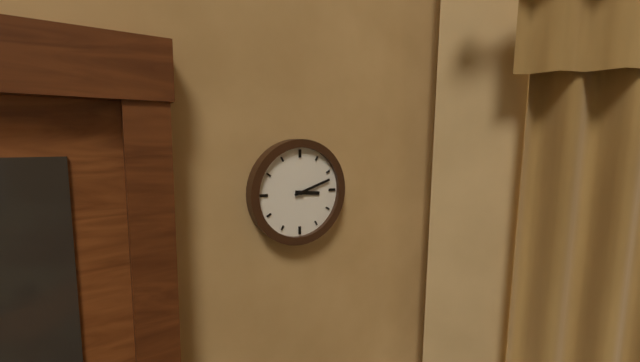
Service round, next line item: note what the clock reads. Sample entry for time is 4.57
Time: 3.12
